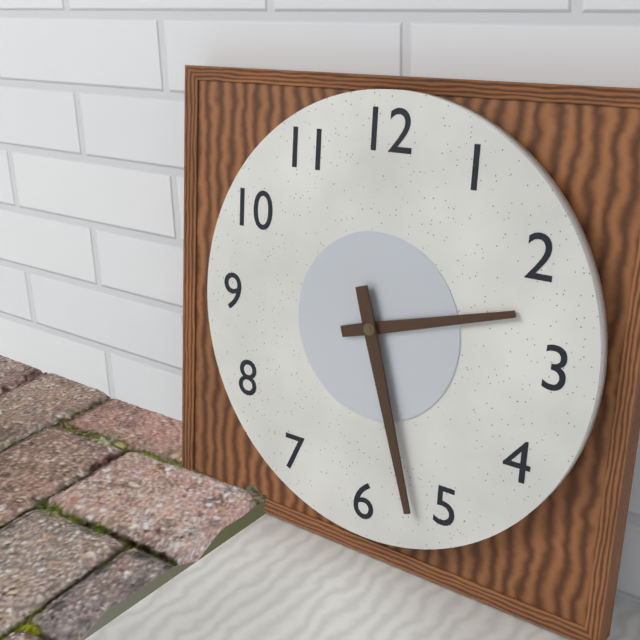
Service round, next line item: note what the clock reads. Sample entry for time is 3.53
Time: 2.27
